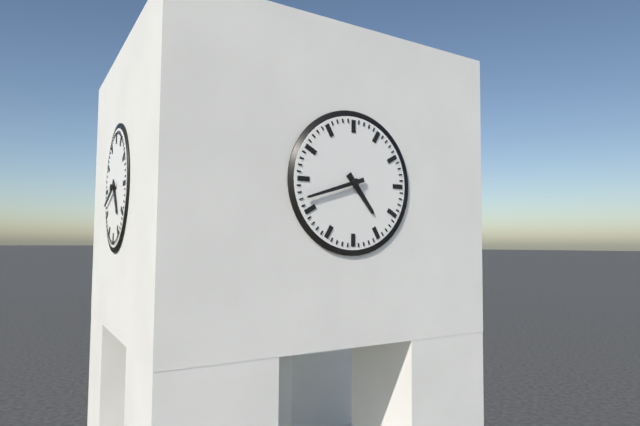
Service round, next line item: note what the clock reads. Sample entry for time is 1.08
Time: 4.42
